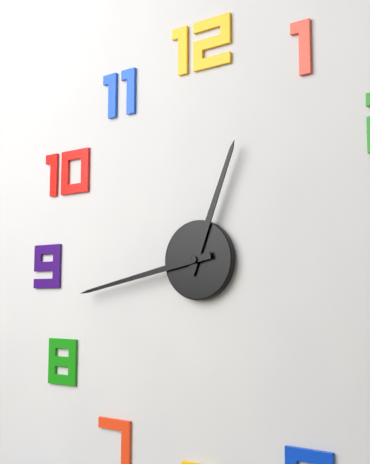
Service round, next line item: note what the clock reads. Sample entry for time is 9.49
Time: 12.43
